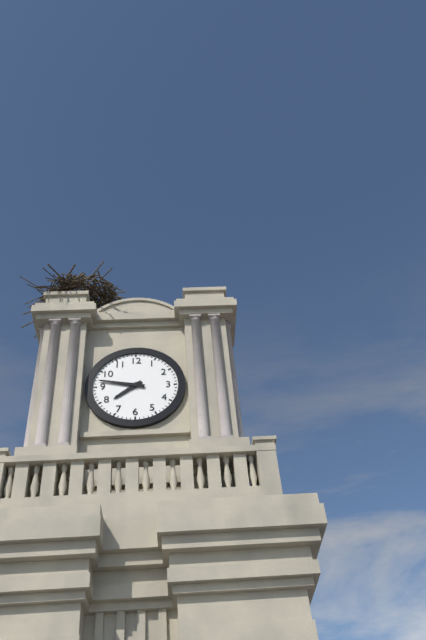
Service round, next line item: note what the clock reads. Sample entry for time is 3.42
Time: 7.47
